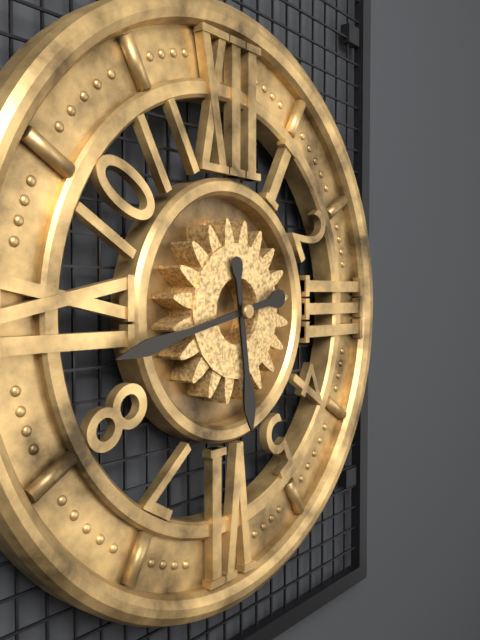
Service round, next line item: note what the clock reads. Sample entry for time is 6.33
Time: 5.43
